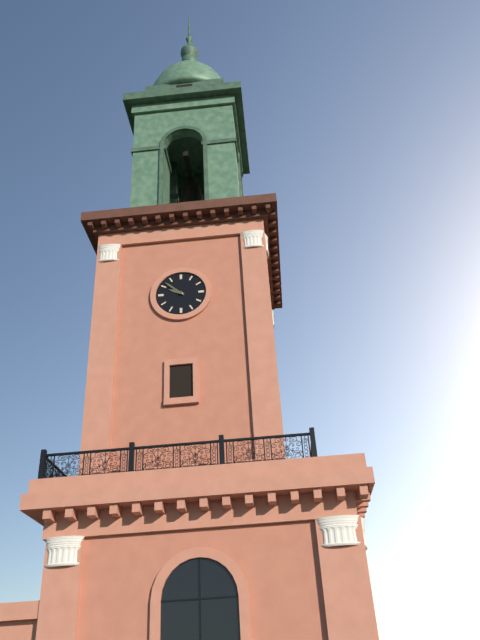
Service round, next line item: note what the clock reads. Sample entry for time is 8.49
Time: 9.52
